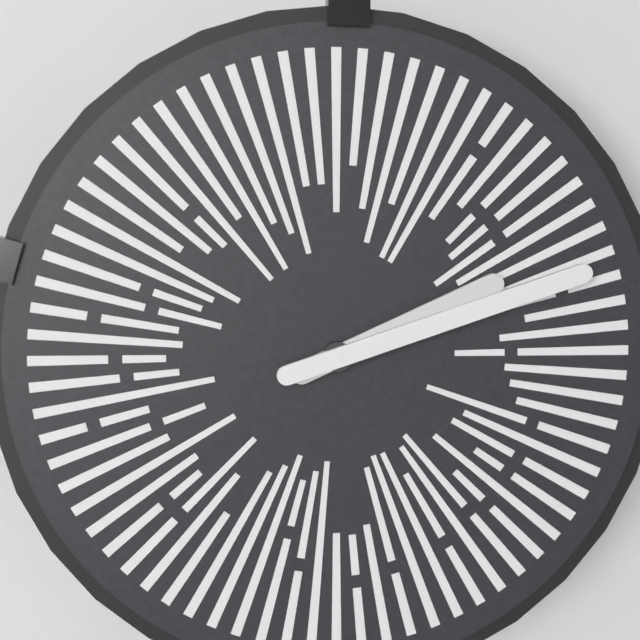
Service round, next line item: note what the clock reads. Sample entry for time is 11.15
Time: 2.12
